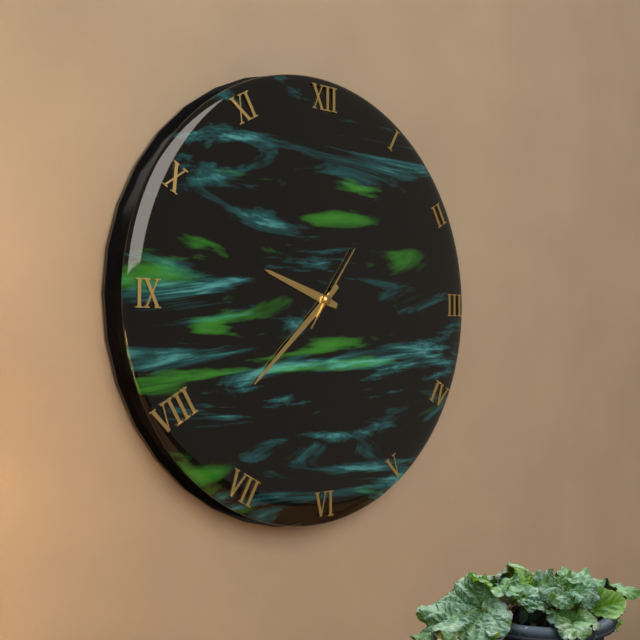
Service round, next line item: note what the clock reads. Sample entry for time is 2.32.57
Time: 9.38.06
